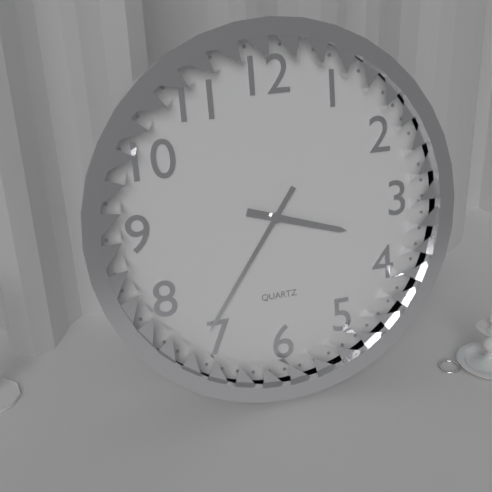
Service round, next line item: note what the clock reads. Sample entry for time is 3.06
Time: 3.36
